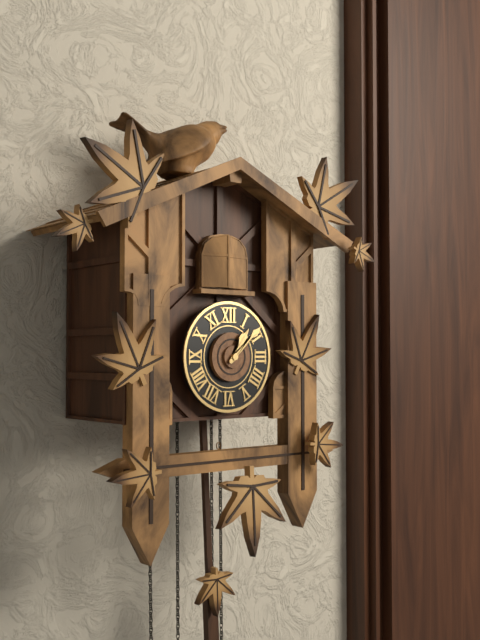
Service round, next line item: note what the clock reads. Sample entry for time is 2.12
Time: 1.08
